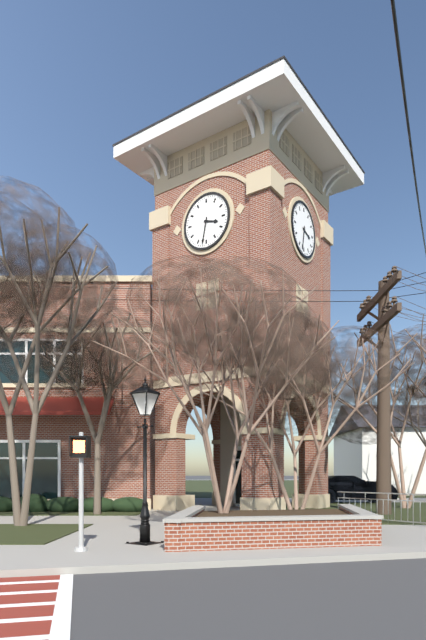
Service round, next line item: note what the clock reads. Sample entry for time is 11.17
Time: 3.32
